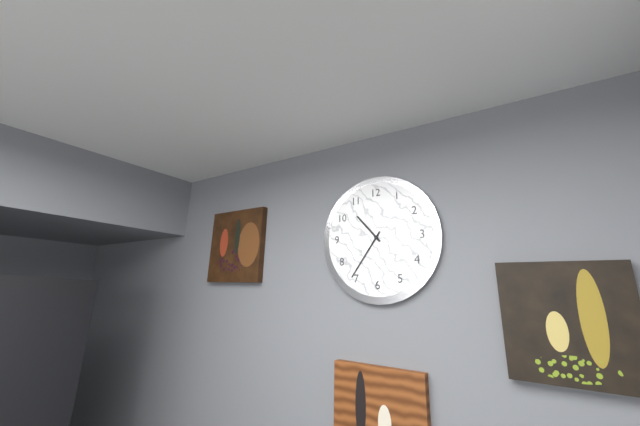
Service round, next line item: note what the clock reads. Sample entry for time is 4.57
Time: 10.36
